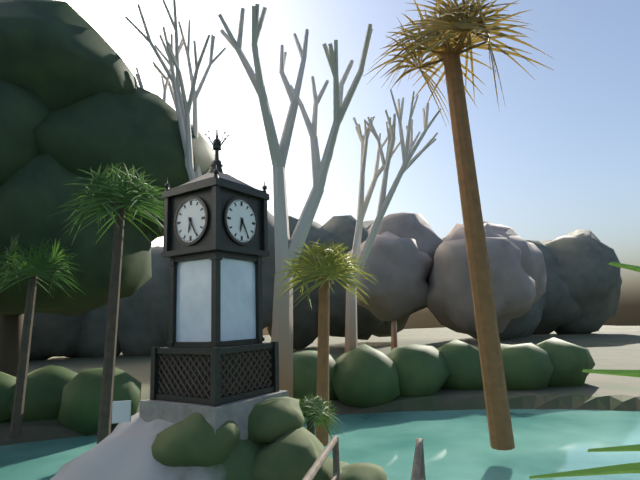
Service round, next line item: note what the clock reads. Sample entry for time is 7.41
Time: 6.25
